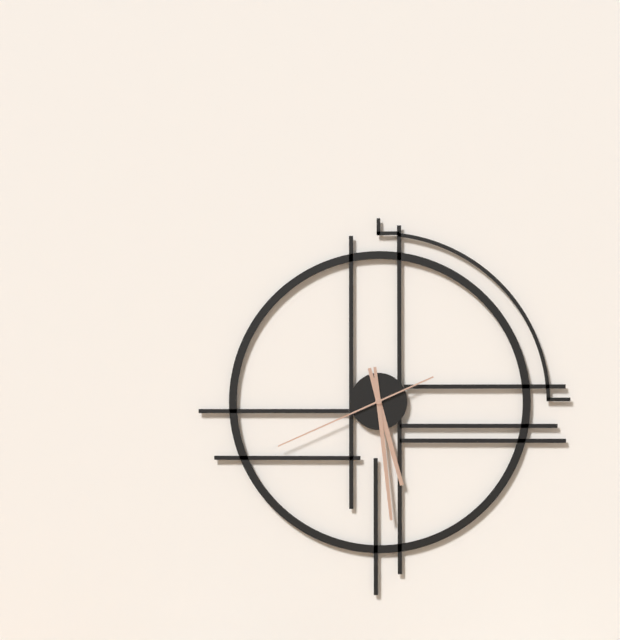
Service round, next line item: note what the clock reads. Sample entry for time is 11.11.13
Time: 5.29.41
